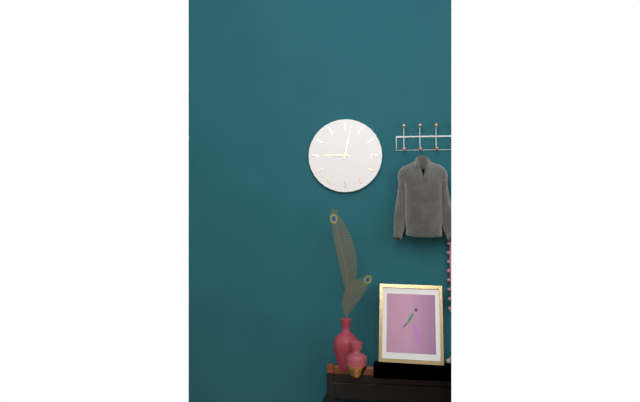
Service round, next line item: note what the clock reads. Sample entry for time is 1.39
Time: 9.02
